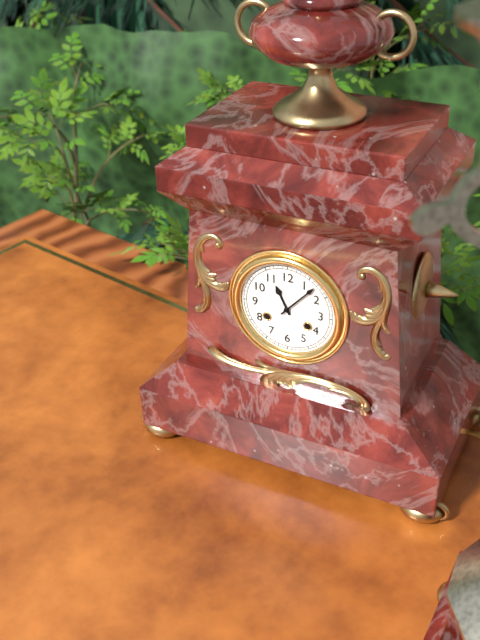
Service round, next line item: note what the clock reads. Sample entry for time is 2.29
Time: 11.07
